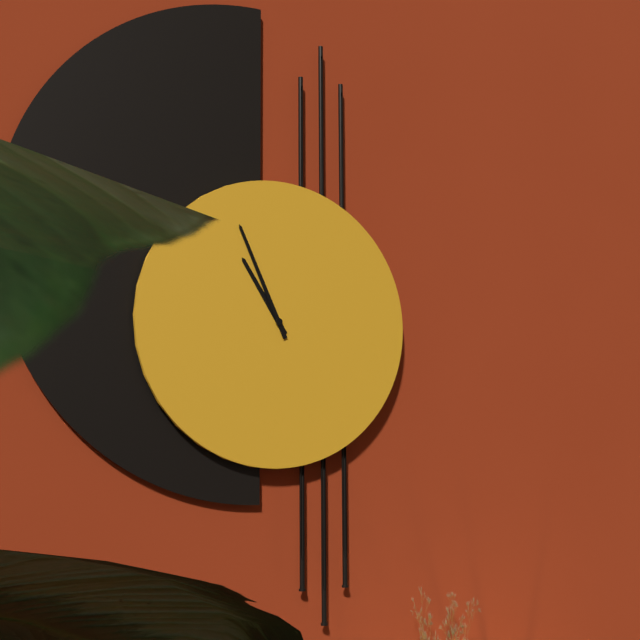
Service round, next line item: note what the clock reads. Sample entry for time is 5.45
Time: 10.56
